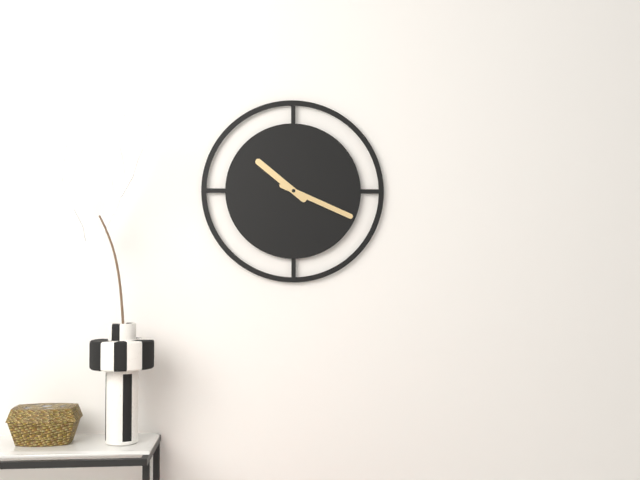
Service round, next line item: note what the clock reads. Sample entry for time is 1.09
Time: 10.19
